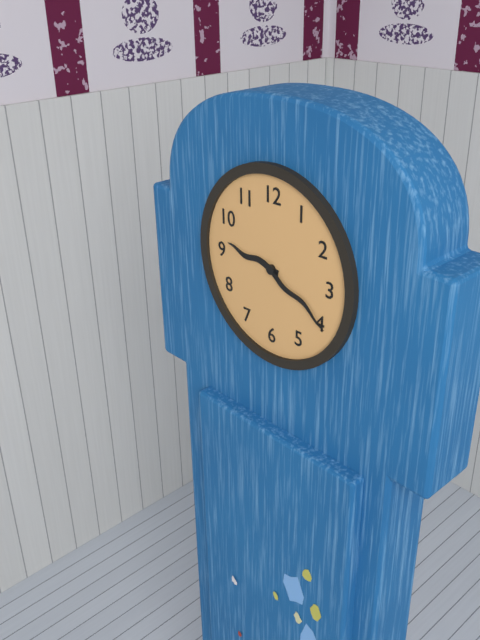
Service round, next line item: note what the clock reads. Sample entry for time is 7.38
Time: 9.20
